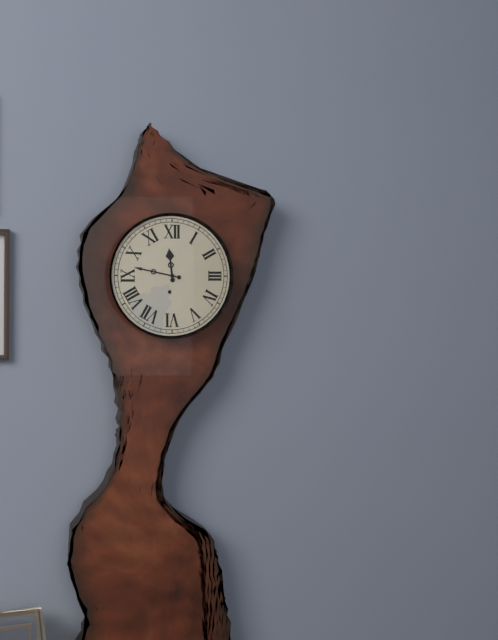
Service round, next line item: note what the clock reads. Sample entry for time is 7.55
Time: 11.47
